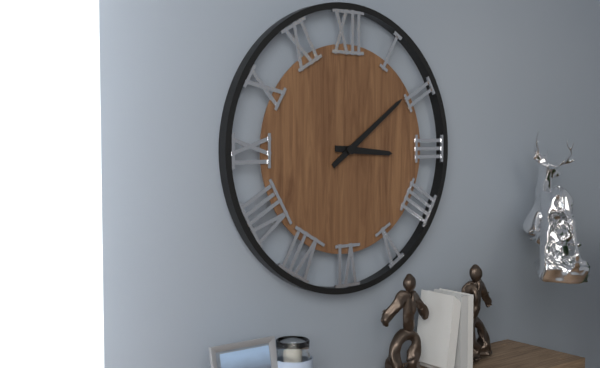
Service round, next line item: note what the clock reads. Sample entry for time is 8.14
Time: 3.09
